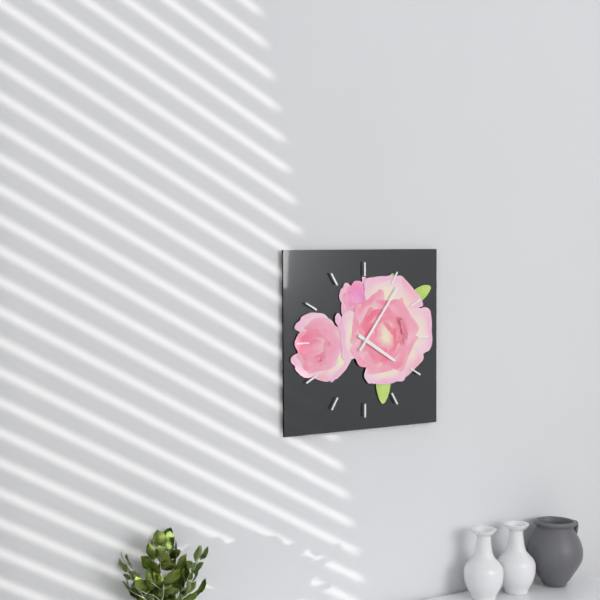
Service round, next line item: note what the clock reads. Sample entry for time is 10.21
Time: 4.06
